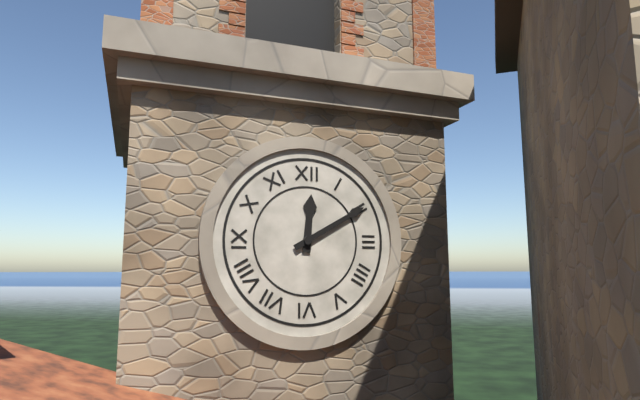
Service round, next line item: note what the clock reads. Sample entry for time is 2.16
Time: 12.10
